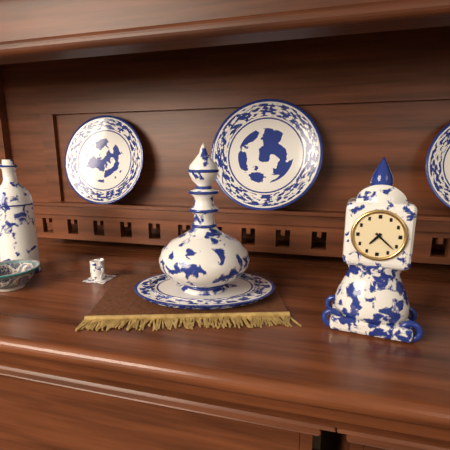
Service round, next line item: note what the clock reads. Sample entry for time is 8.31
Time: 7.22
